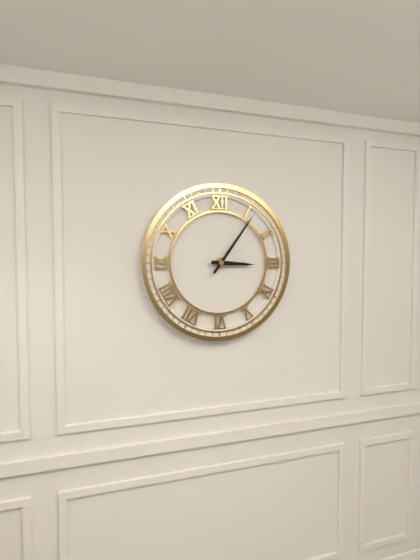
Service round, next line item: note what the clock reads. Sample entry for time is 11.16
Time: 3.06
